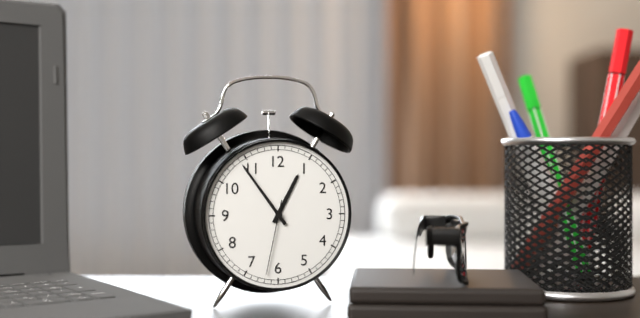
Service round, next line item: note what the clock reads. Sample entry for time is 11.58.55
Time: 12.54.32
